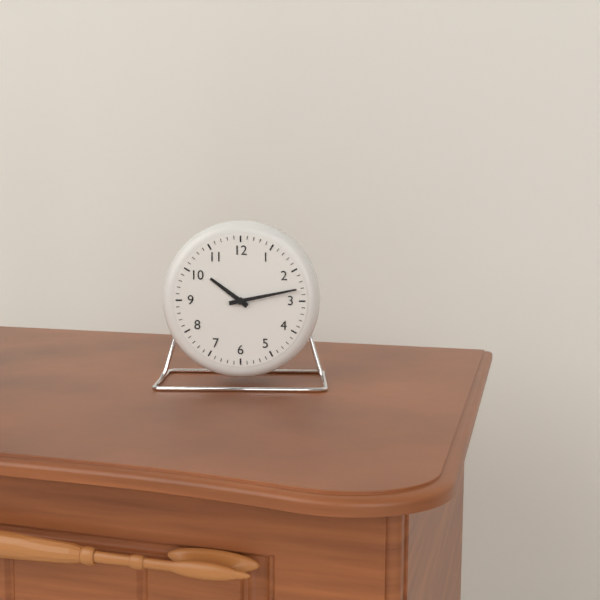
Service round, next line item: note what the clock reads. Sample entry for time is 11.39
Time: 10.13
